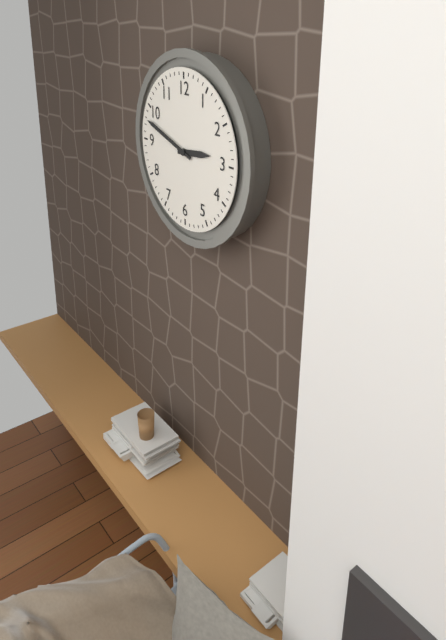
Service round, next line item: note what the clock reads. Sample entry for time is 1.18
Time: 2.48
